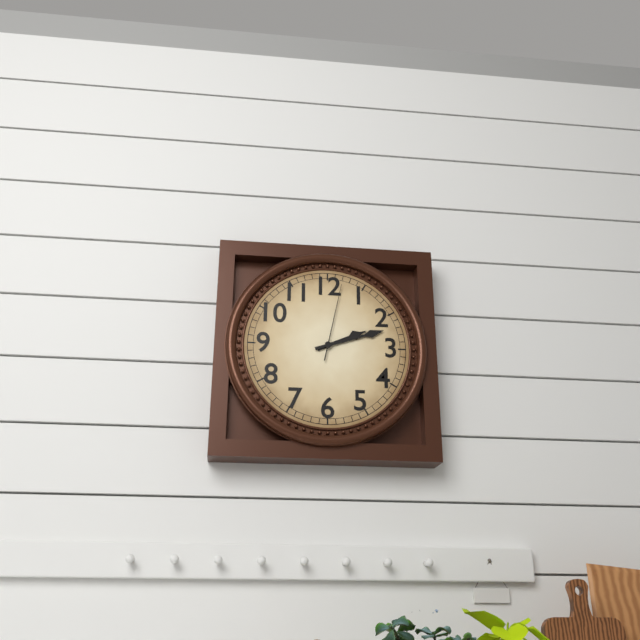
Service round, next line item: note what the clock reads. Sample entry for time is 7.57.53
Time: 2.12.02
